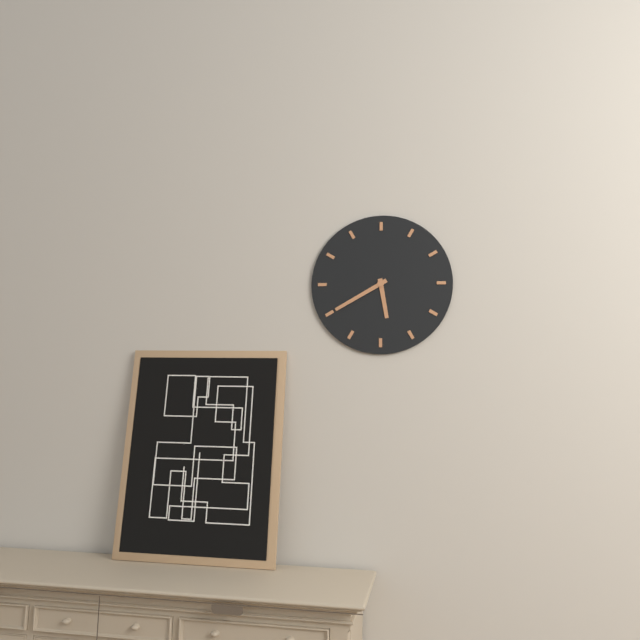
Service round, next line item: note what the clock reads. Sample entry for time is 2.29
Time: 5.40
